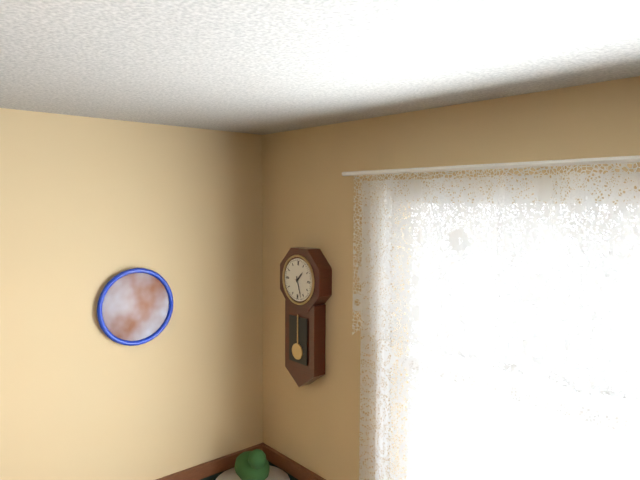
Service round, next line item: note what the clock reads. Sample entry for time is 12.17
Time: 1.27
